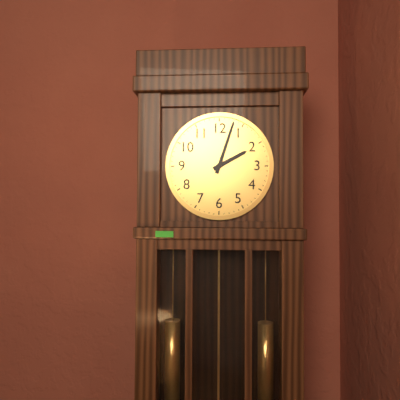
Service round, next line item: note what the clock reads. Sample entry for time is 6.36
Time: 2.03
